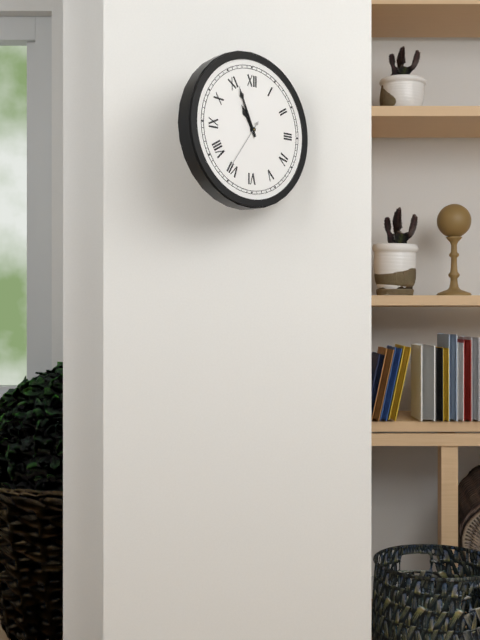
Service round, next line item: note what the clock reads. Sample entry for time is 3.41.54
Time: 10.56.36
